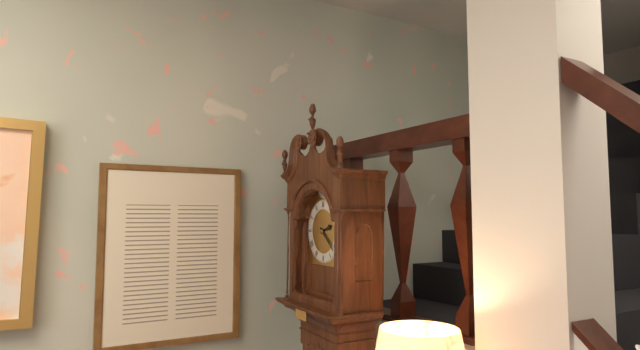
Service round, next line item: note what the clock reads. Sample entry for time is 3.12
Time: 2.22
